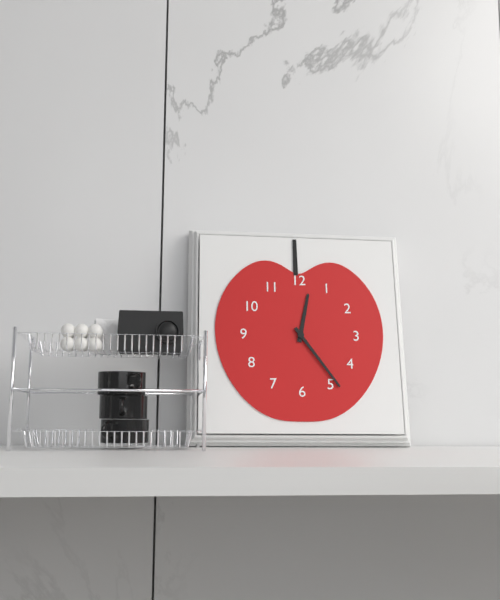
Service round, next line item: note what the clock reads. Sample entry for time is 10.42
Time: 12.24
